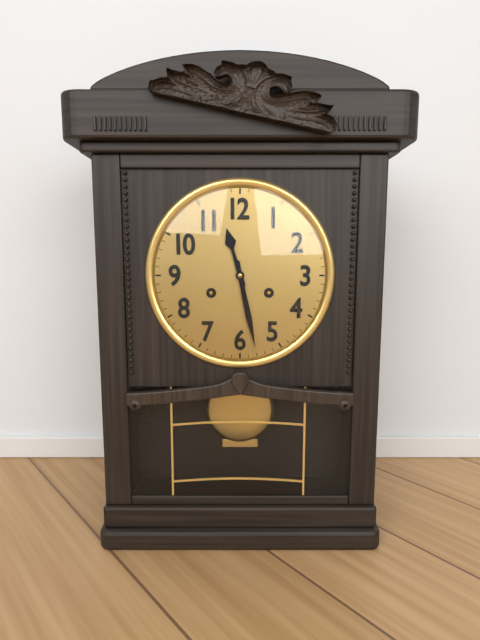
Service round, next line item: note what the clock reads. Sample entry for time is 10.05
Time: 11.28
